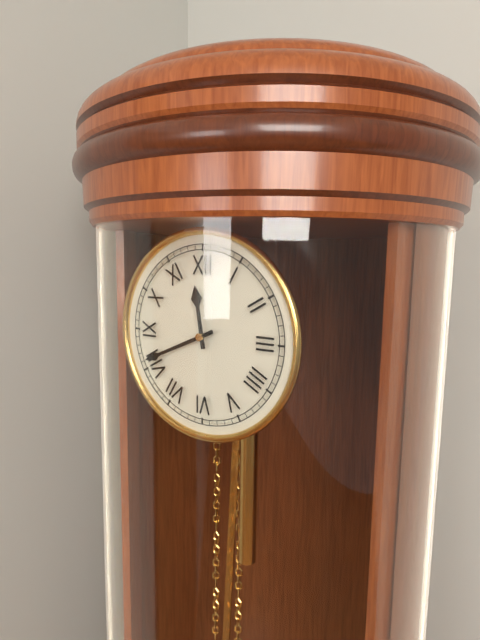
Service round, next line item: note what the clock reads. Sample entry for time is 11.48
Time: 11.41
